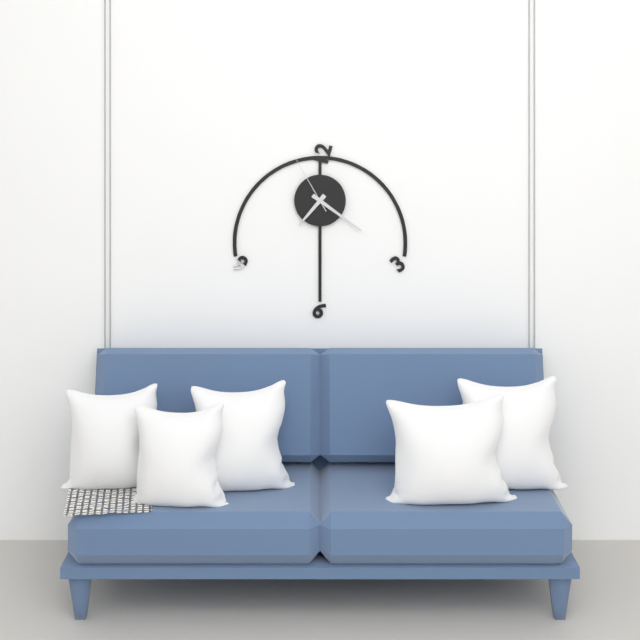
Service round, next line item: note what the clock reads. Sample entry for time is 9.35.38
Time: 7.21.55
